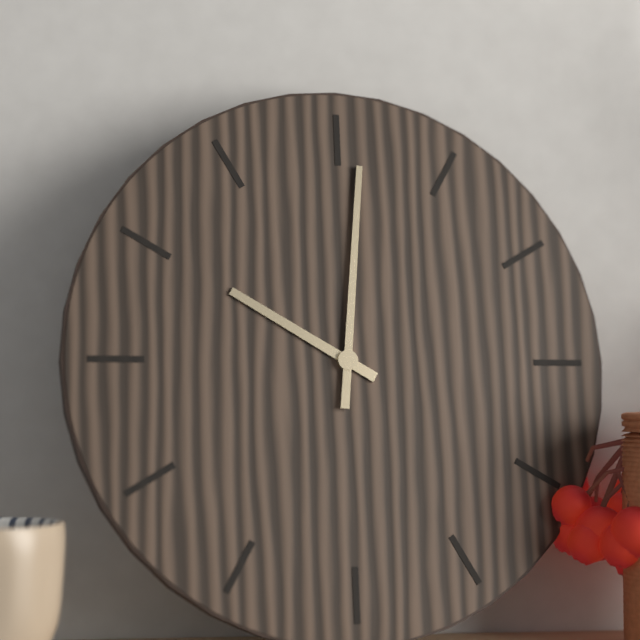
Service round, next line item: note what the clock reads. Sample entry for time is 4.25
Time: 10.01
